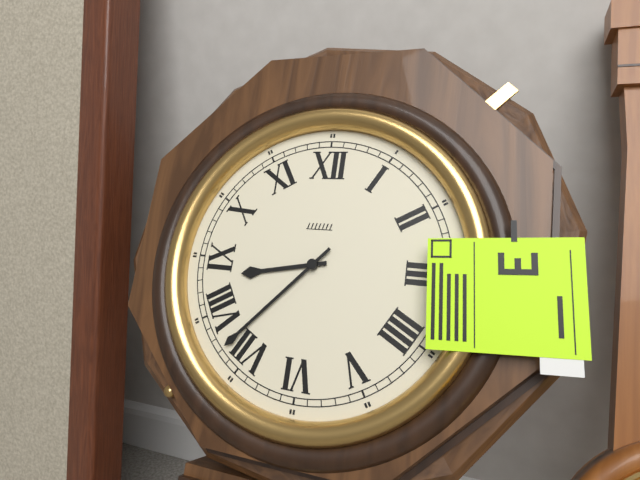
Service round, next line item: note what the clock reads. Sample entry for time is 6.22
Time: 8.37
